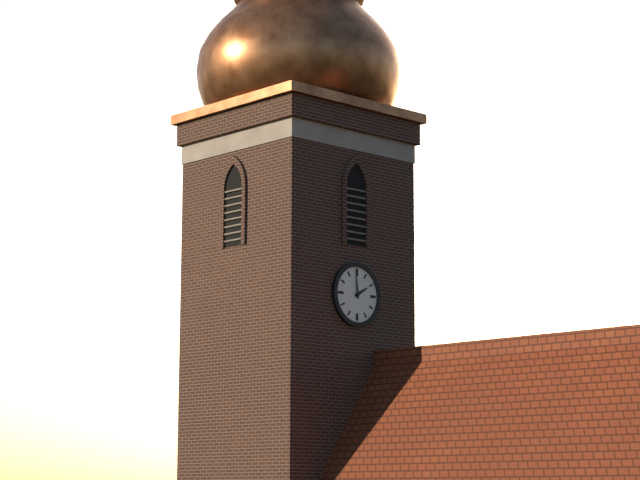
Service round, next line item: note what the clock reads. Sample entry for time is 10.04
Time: 1.59
